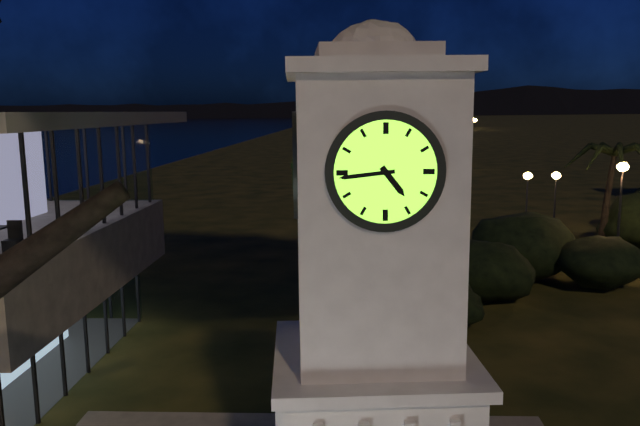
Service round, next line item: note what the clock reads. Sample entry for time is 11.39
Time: 4.44
